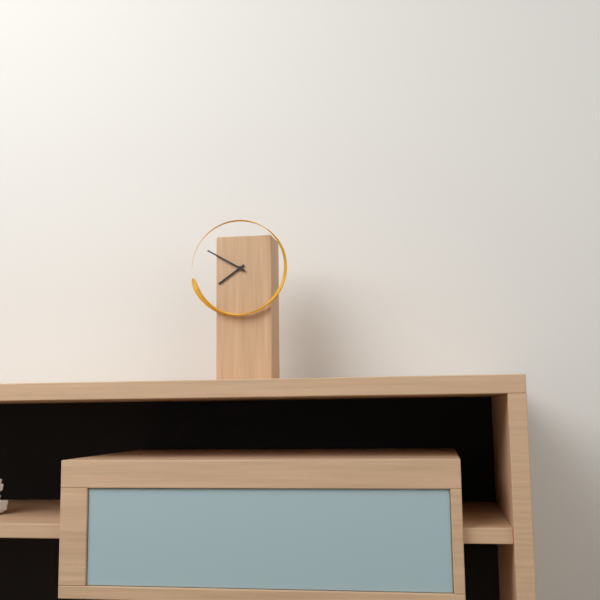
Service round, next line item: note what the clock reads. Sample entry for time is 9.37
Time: 7.50
